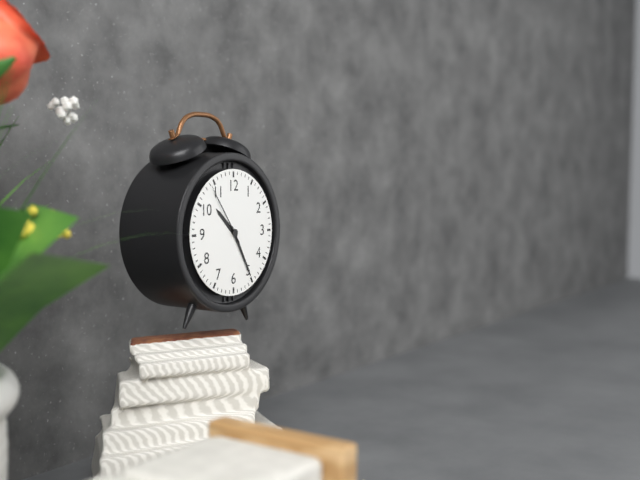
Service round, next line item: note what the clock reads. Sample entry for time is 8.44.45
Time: 10.25.54
